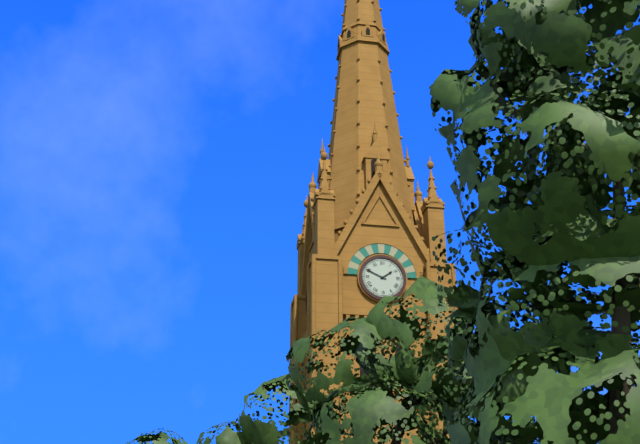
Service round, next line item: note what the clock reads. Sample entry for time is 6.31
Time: 1.49
